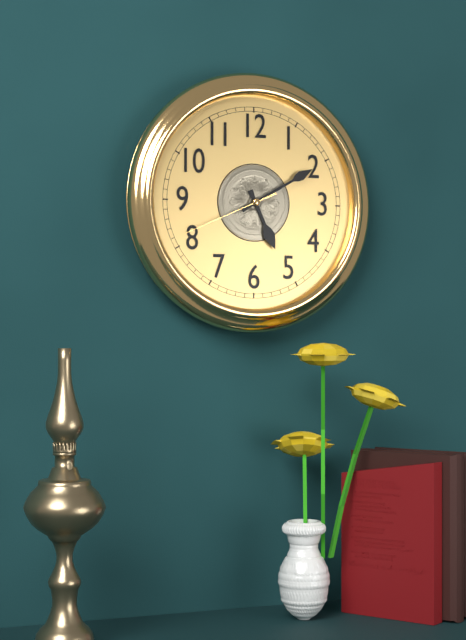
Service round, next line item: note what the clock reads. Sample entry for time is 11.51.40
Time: 5.10.41
